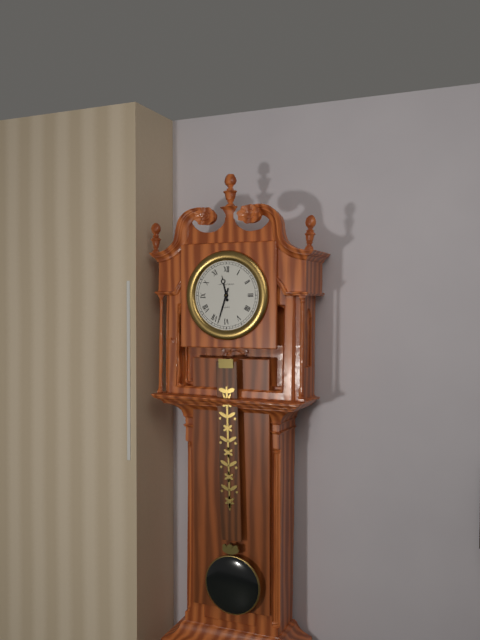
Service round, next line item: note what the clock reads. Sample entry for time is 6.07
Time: 11.33
